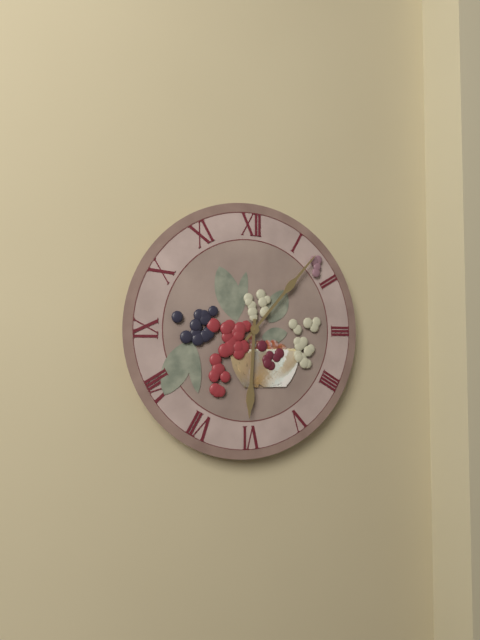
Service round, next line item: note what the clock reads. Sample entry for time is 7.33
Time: 6.07
